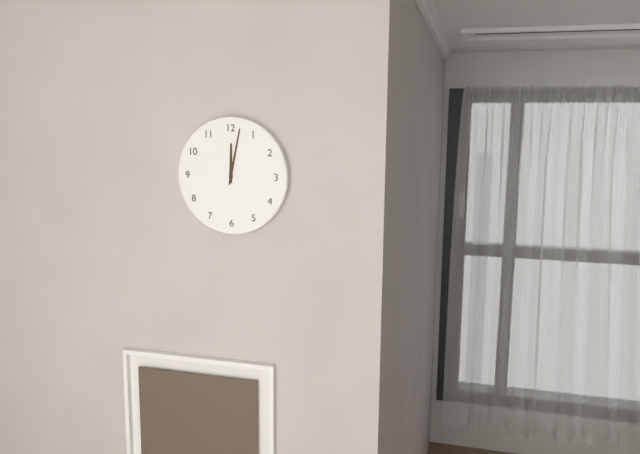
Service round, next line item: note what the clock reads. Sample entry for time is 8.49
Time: 12.02
